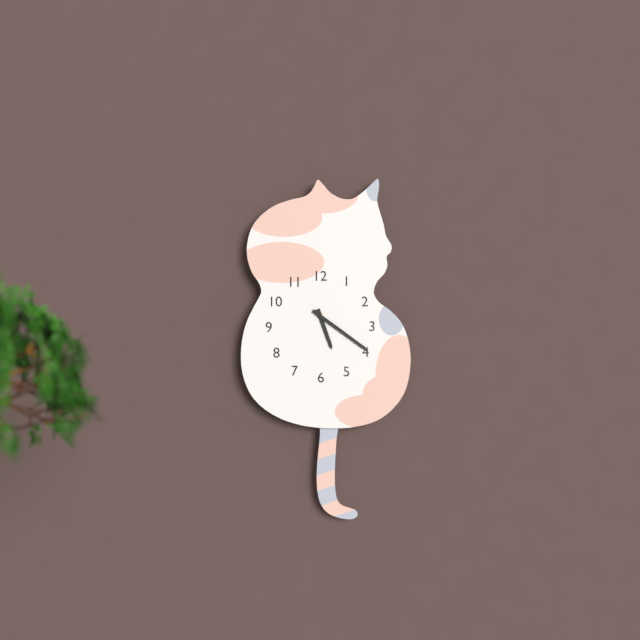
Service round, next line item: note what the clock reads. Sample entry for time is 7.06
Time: 5.21
